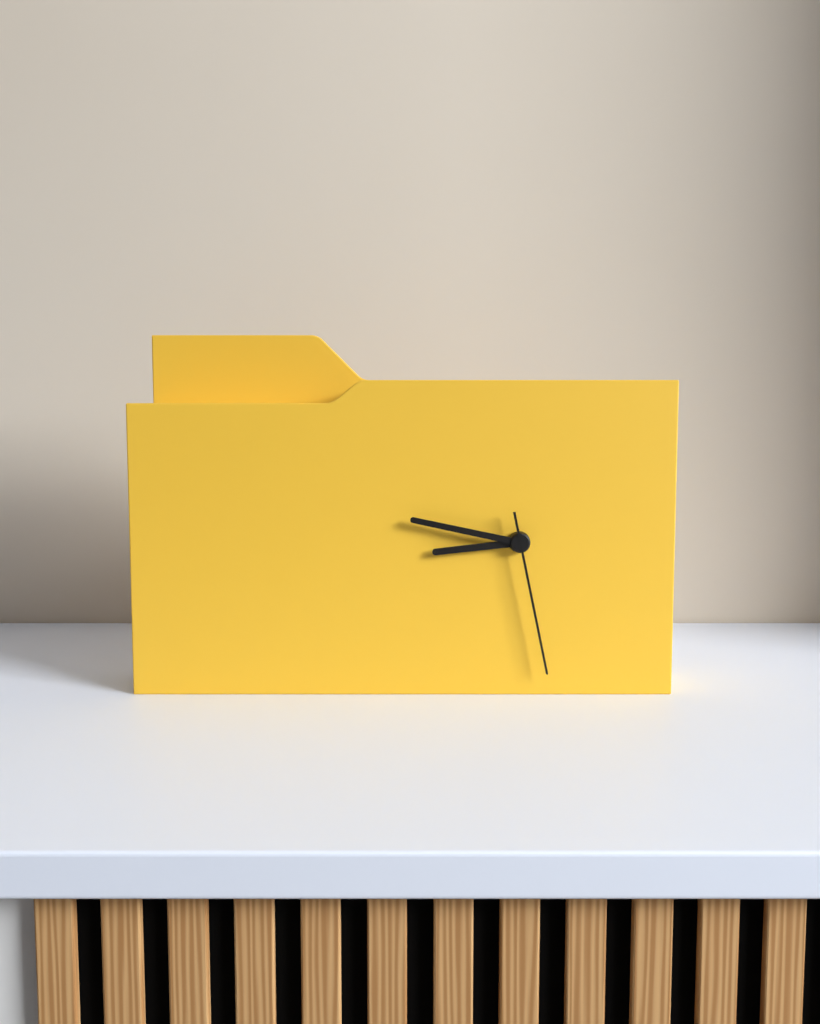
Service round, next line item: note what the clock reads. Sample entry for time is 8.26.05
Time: 8.47.28
